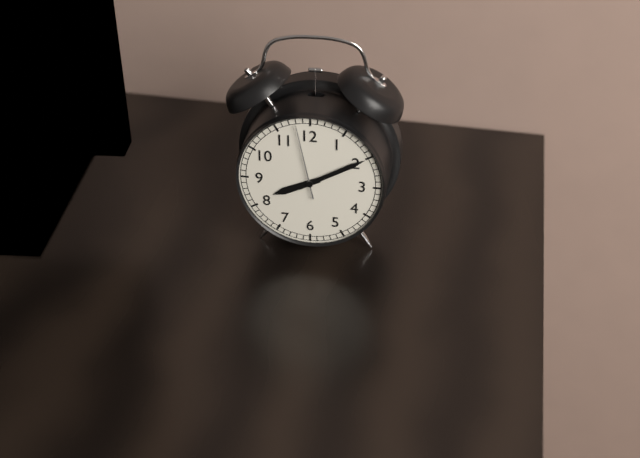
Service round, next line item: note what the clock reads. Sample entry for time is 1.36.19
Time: 8.10.58
